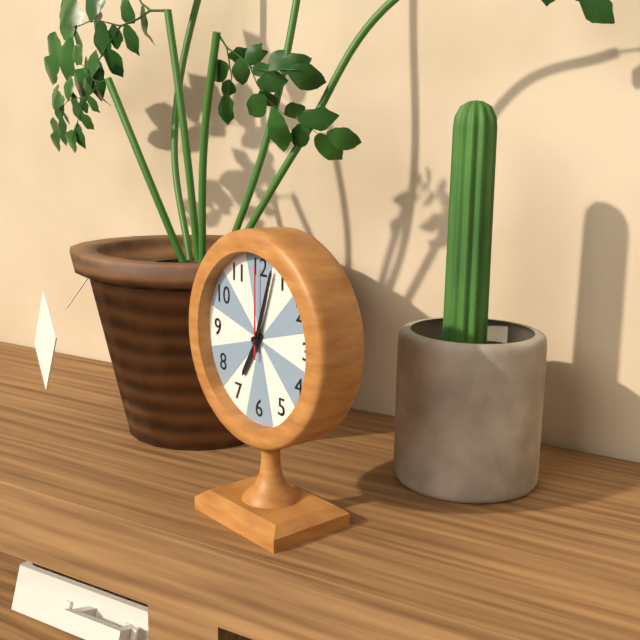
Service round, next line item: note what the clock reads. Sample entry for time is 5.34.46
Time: 7.03.00
